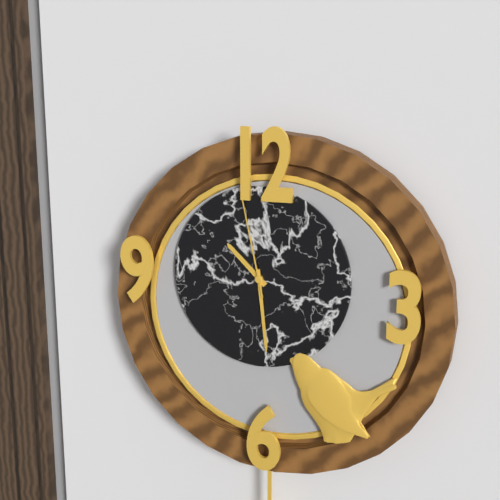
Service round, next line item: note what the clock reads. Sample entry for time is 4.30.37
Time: 10.29.58
